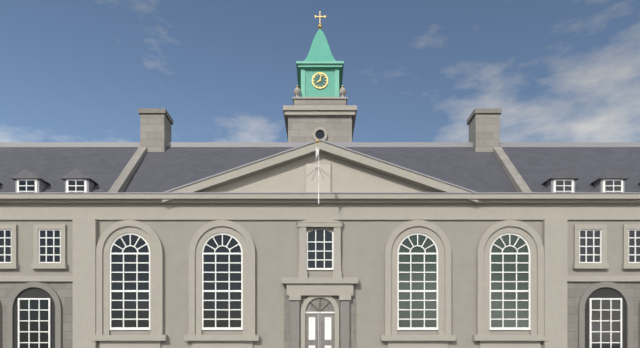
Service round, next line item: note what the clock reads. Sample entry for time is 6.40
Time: 8.02
